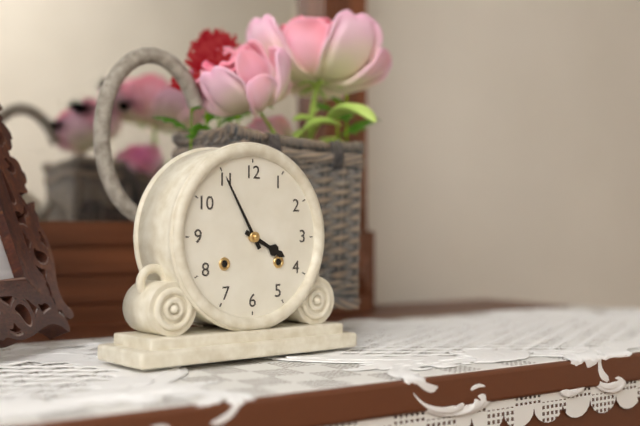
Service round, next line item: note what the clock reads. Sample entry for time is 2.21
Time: 3.55
